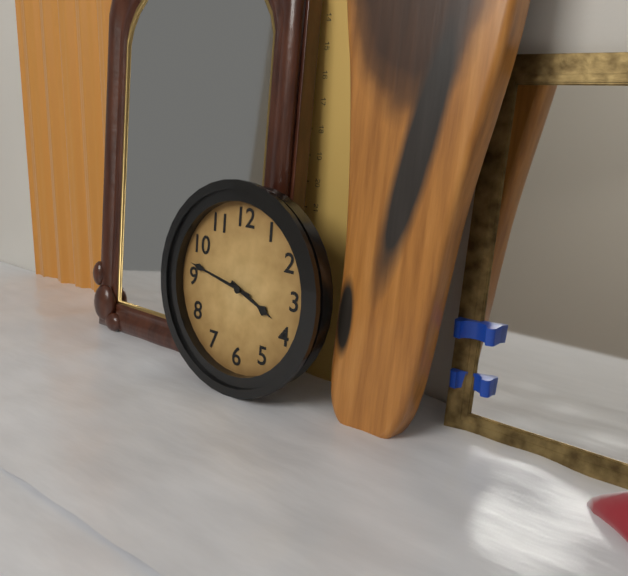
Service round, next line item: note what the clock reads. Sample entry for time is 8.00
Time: 3.47
